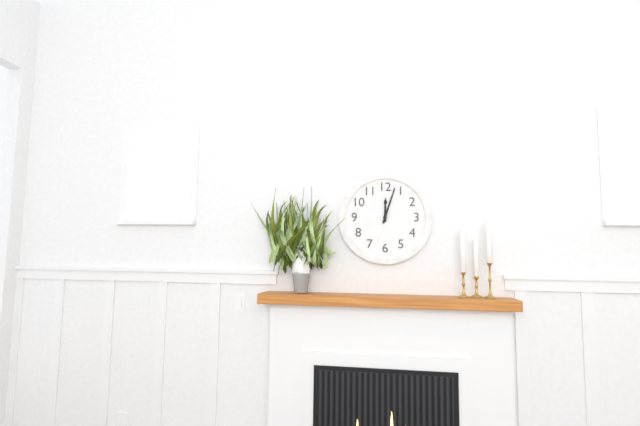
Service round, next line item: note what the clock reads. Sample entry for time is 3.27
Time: 12.03
